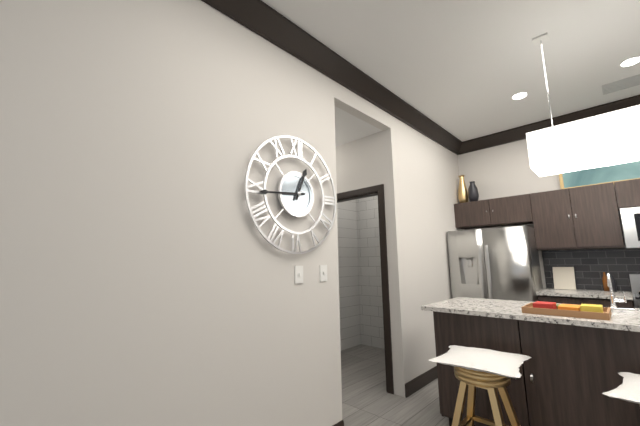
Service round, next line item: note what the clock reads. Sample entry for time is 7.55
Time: 12.44
